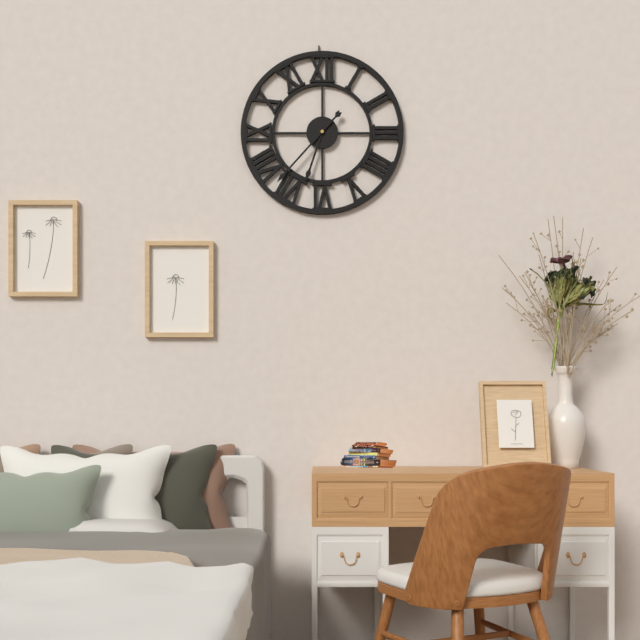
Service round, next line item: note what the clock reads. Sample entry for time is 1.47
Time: 6.37
